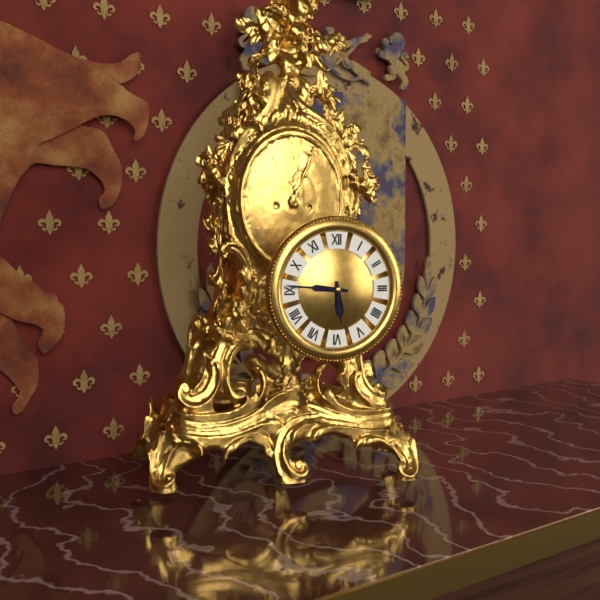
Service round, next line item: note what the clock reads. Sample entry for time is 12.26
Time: 5.46
